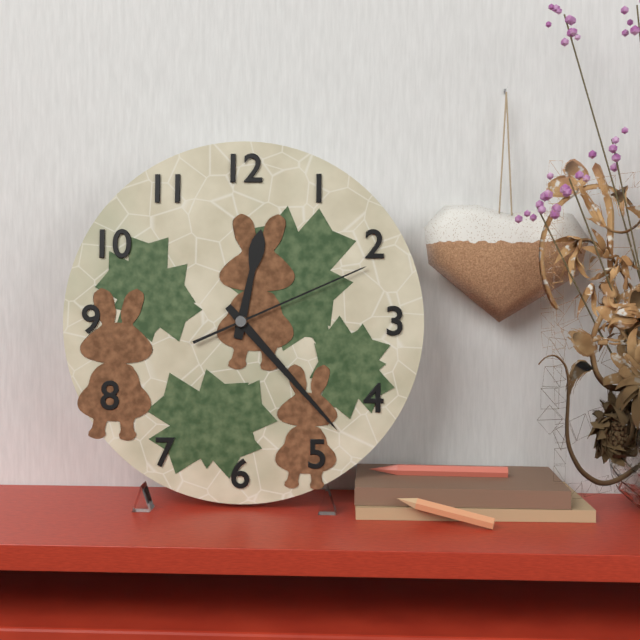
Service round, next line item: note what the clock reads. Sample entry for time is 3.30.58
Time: 12.23.11
